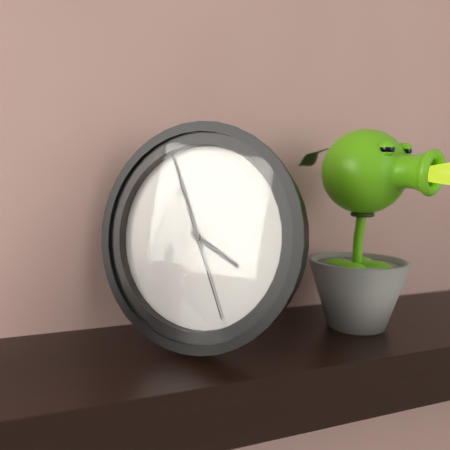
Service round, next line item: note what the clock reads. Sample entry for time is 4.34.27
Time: 3.56.26
